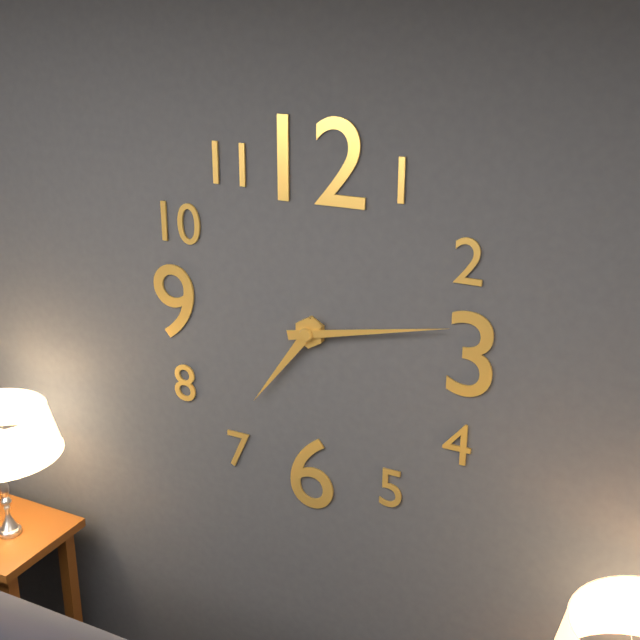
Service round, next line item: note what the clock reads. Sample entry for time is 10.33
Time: 7.13
